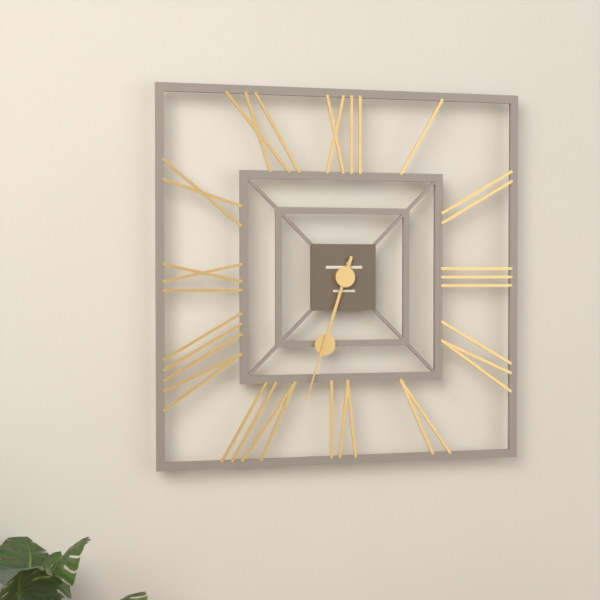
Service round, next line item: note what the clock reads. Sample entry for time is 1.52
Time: 6.33
